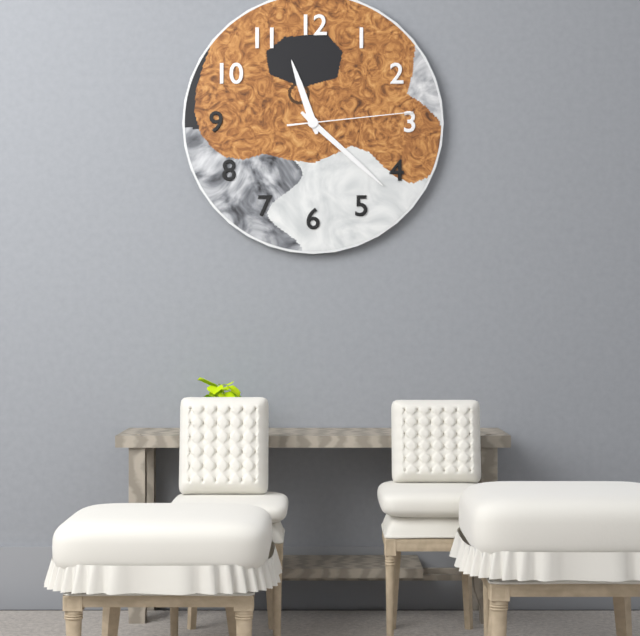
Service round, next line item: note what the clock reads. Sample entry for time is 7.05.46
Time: 11.22.14
